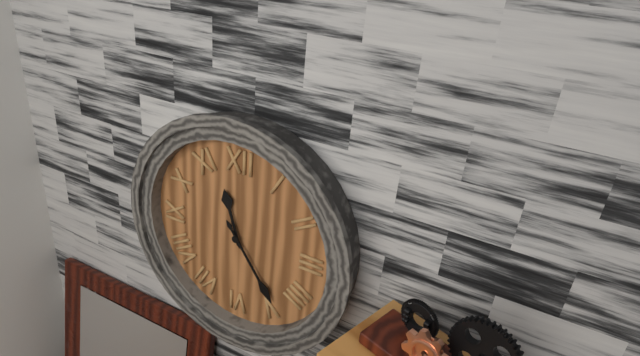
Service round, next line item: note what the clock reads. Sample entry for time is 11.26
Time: 11.24
